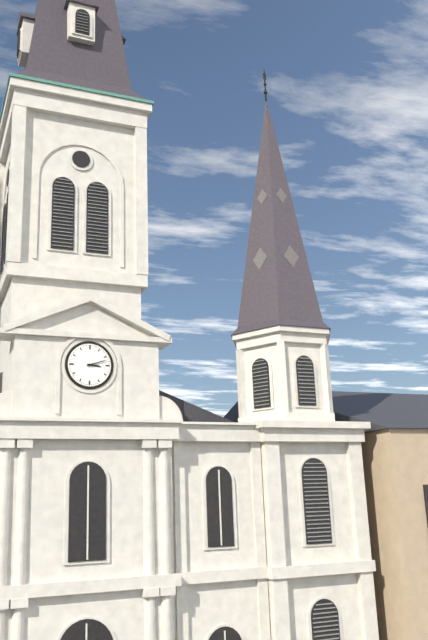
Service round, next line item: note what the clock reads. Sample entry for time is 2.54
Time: 3.12
